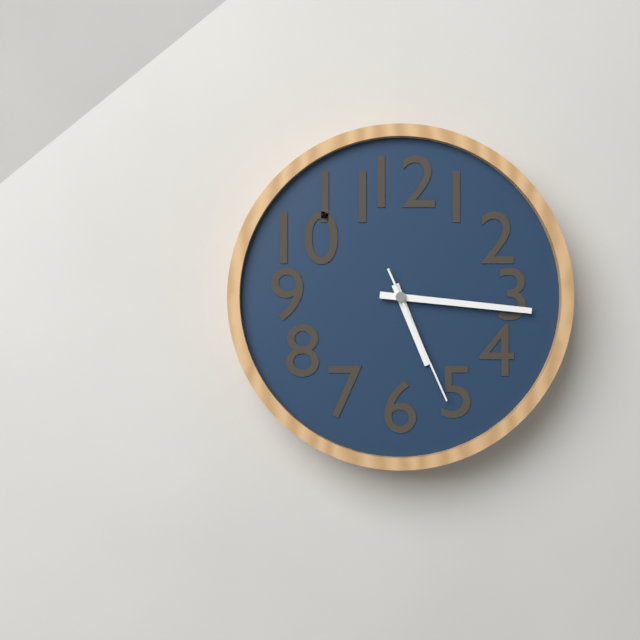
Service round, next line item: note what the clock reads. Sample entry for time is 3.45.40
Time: 5.16.26
